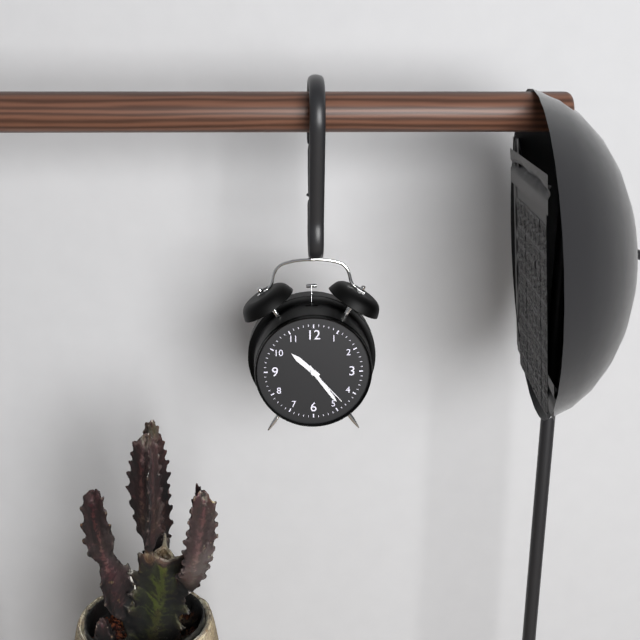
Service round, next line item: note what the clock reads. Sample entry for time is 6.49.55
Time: 10.24.23
